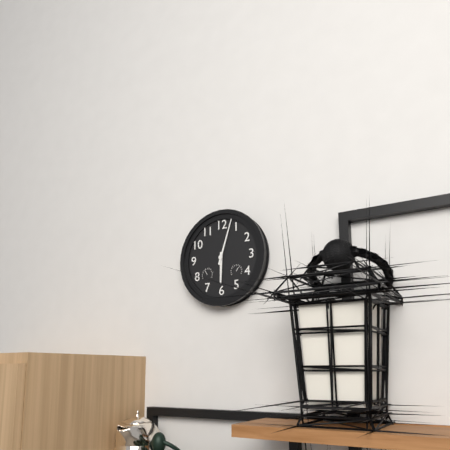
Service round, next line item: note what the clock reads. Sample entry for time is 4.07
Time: 6.03
